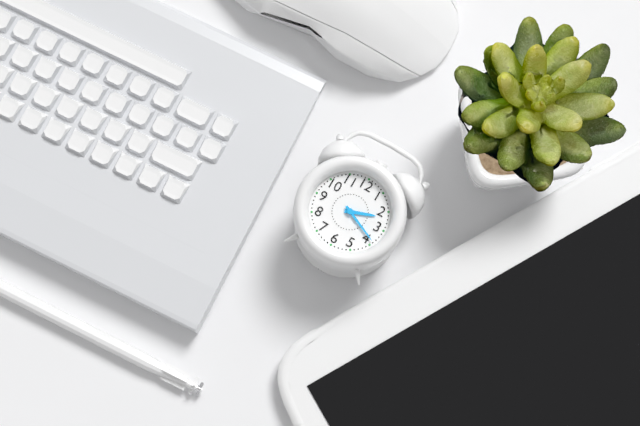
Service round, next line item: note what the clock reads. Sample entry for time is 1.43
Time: 2.19
